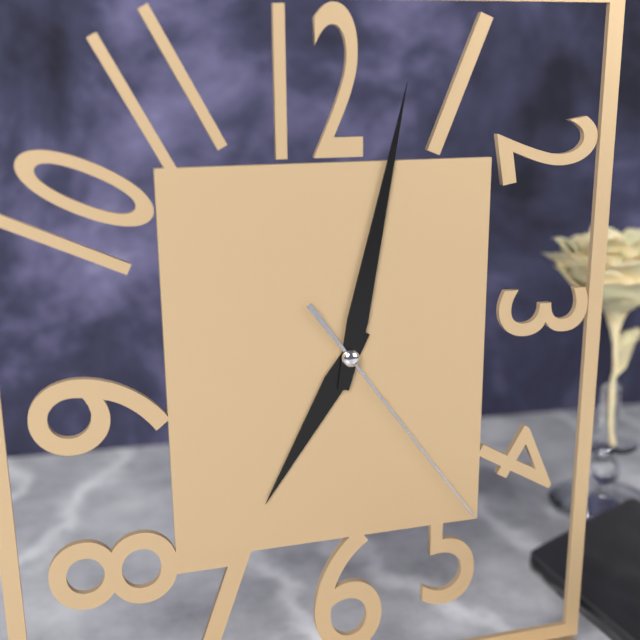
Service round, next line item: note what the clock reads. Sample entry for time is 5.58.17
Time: 7.02.24
